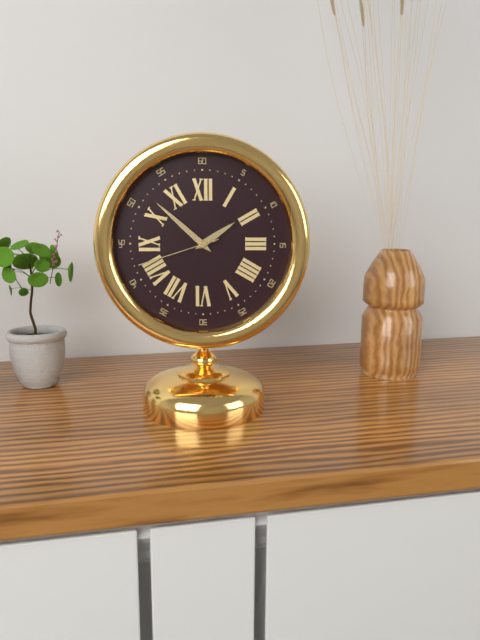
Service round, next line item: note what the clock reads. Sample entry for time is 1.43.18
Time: 1.52.42
